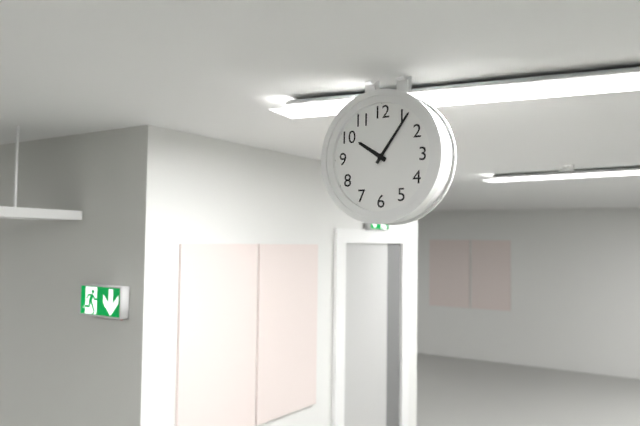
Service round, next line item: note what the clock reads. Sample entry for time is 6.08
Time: 10.06
